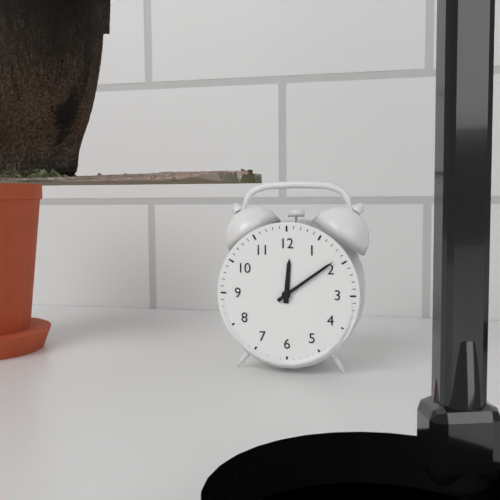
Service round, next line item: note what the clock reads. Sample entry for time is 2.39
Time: 12.09
